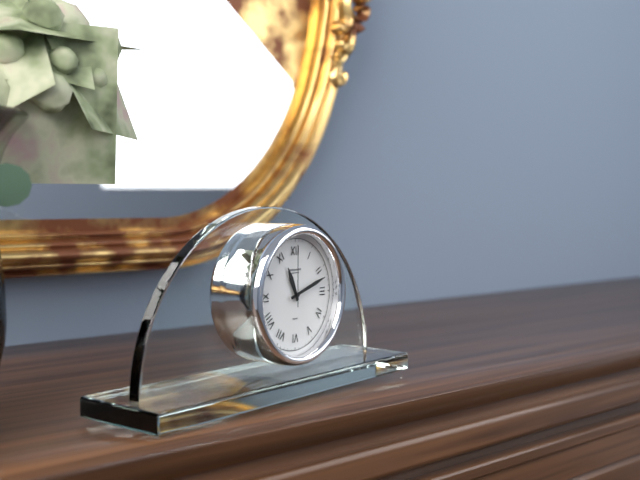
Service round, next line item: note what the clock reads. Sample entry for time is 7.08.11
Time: 11.12.00
